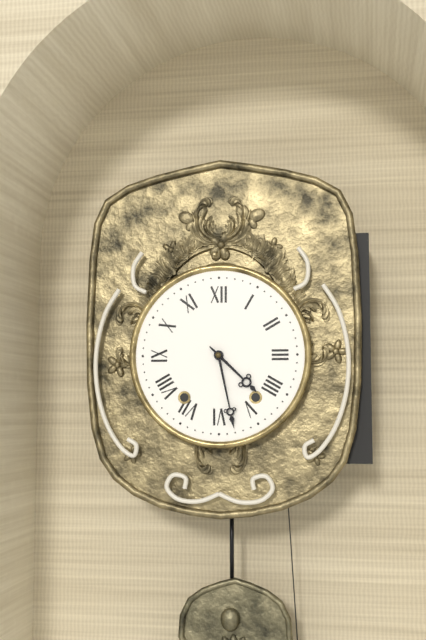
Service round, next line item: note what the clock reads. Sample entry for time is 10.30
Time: 4.28
